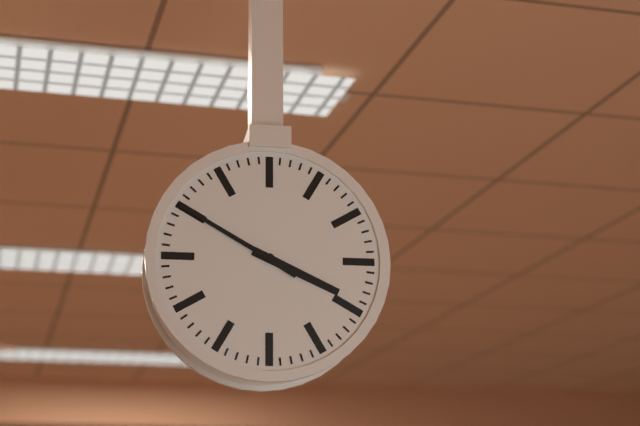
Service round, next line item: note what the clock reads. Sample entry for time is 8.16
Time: 3.50
